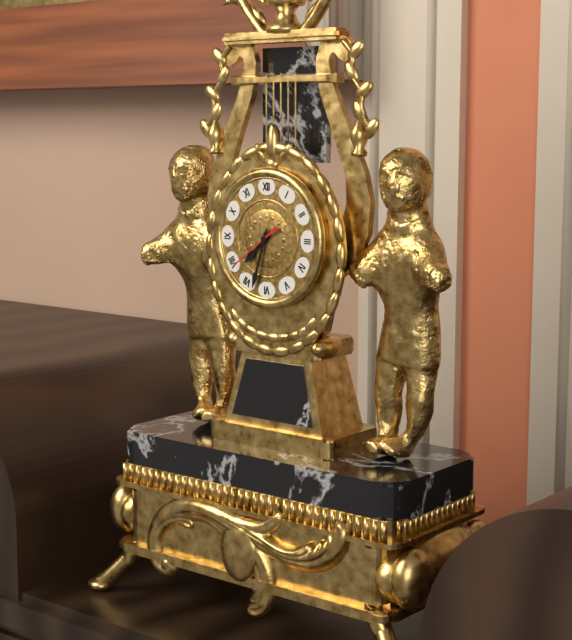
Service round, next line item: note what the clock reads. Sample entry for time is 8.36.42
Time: 7.33.39
